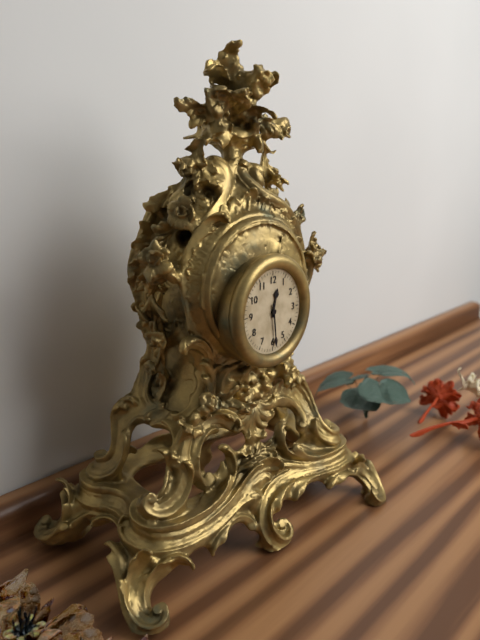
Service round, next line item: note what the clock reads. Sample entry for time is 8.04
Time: 12.29
